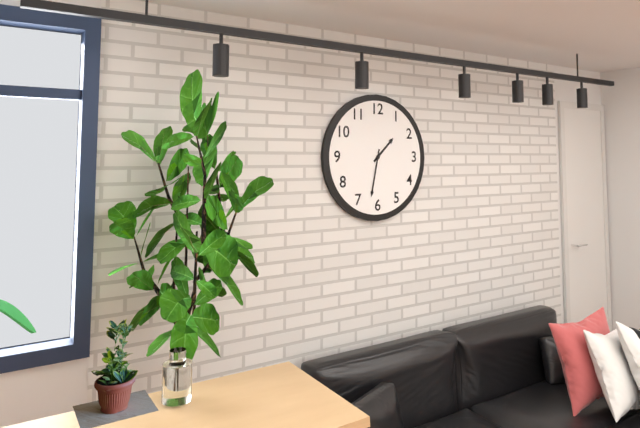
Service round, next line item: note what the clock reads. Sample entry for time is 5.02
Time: 1.32
